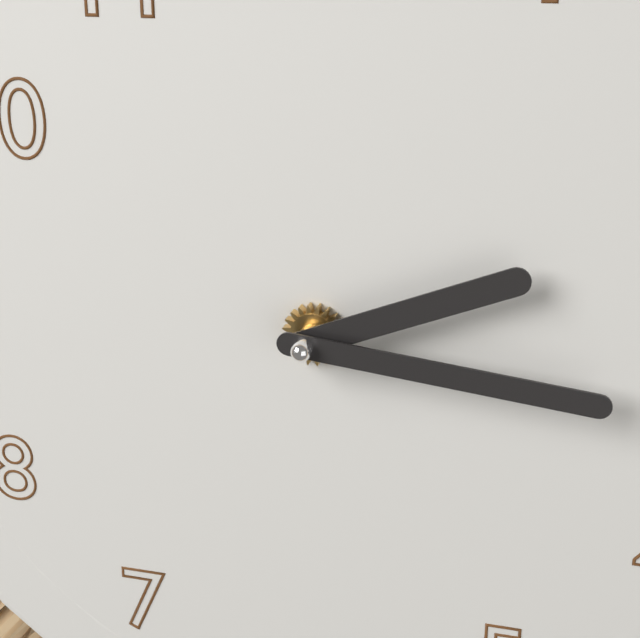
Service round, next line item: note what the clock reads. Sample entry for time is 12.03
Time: 2.16
